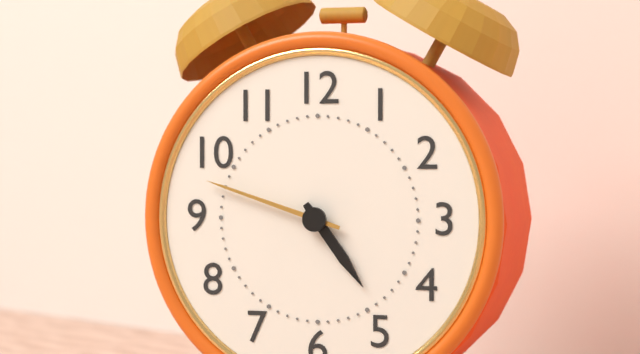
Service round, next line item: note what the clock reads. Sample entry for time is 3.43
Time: 4.48
